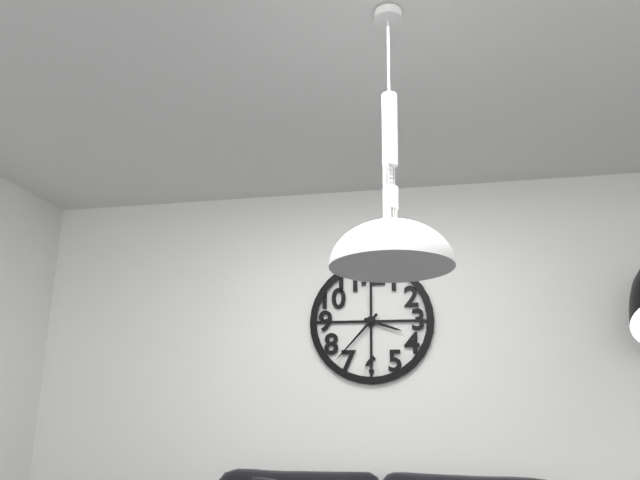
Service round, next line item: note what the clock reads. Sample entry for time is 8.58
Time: 3.37
